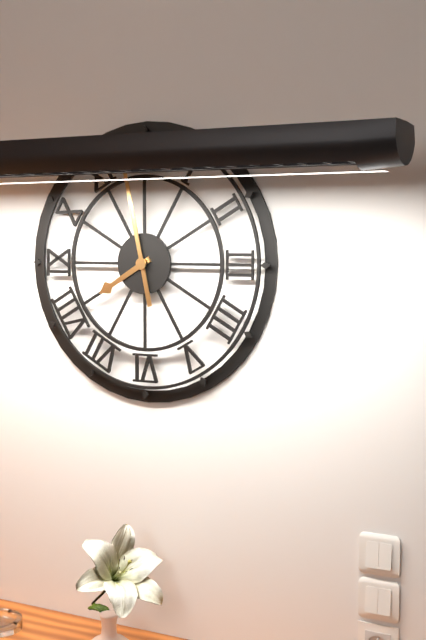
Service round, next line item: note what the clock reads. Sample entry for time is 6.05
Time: 7.58
